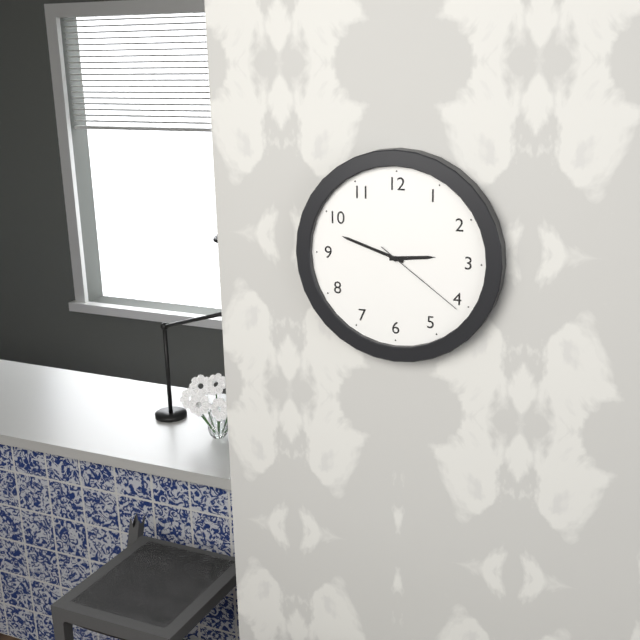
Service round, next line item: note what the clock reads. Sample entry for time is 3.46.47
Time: 2.48.21
